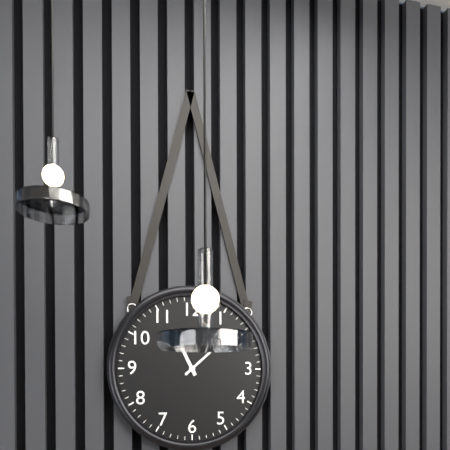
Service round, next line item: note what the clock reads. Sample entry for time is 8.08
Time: 11.08
